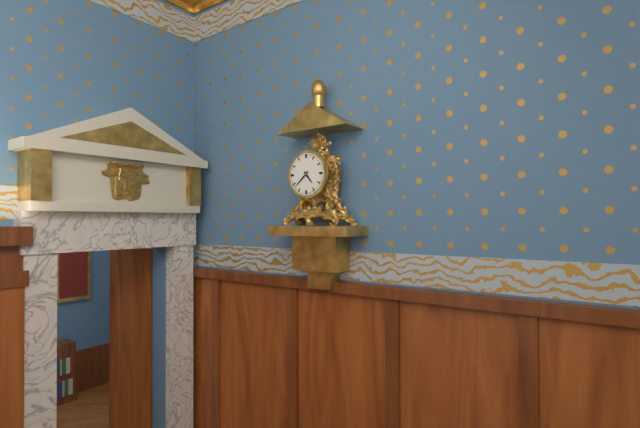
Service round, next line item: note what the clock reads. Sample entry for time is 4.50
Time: 4.38
